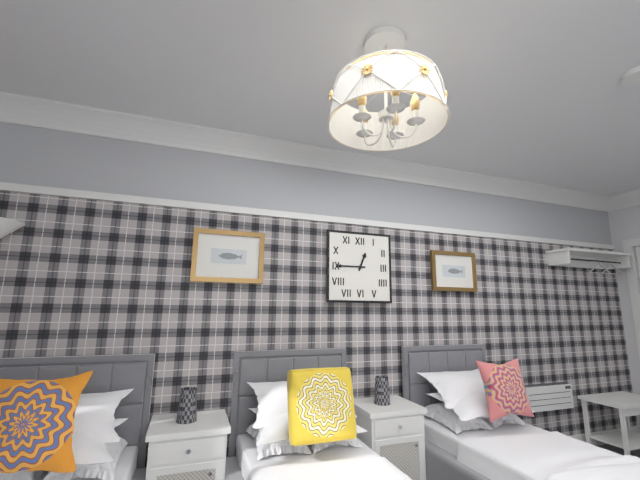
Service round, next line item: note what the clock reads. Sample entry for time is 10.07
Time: 12.45
